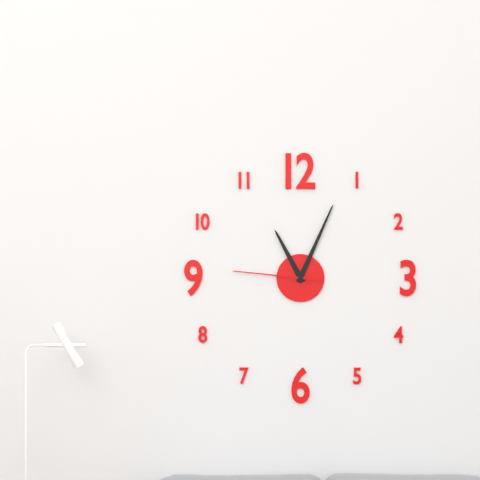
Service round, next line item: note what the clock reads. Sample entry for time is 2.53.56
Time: 11.04.46
